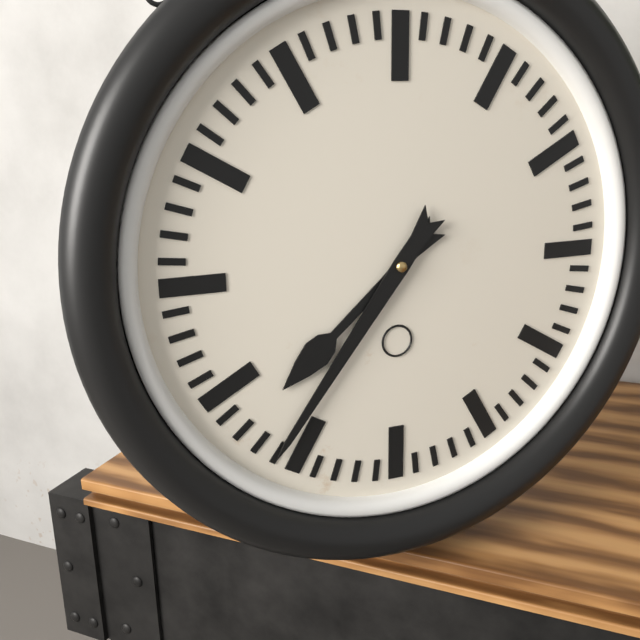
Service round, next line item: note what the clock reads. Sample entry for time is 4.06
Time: 7.36
